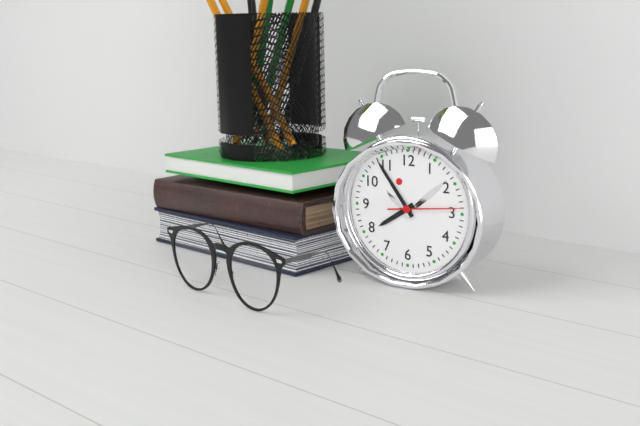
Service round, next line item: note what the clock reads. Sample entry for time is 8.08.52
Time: 7.54.14
